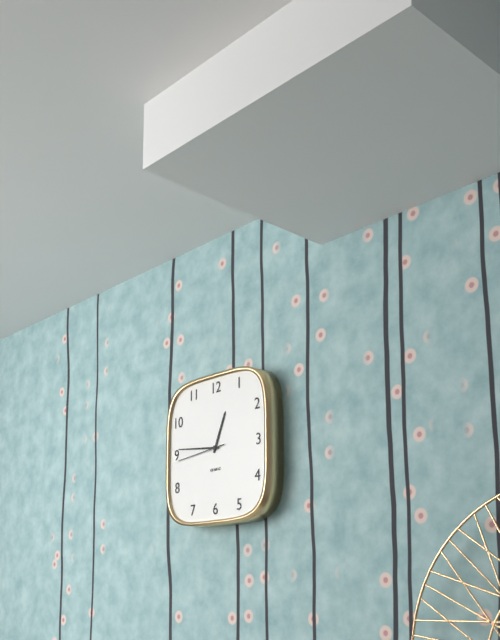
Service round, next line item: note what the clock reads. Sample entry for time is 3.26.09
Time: 12.46.44
